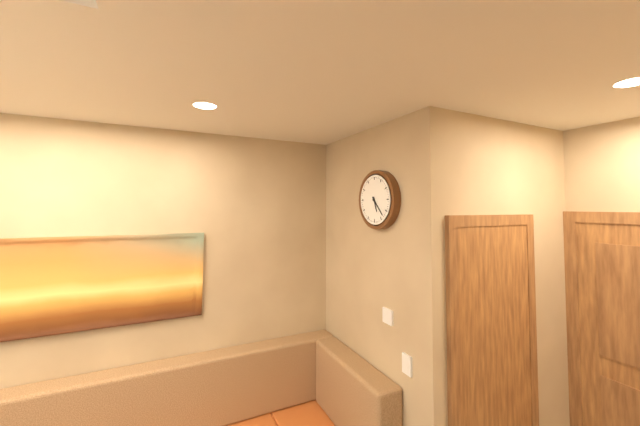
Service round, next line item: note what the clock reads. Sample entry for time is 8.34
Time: 5.23
